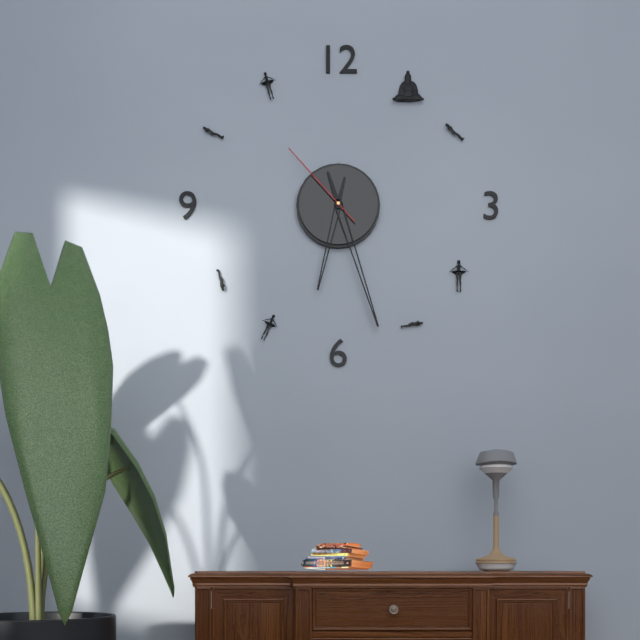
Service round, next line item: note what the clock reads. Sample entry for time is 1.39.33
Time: 6.27.53
